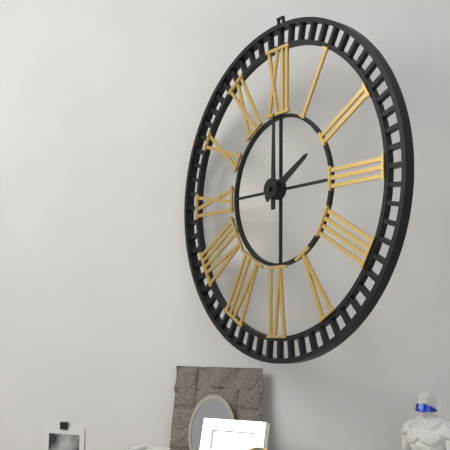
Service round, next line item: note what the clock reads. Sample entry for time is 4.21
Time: 2.00
